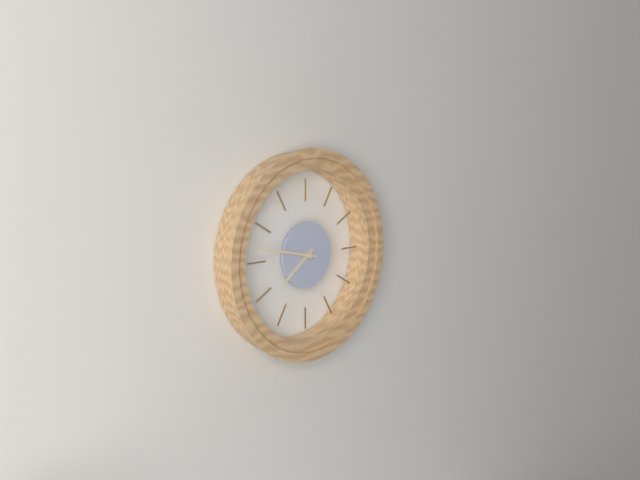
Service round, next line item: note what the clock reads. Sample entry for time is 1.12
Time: 7.47
